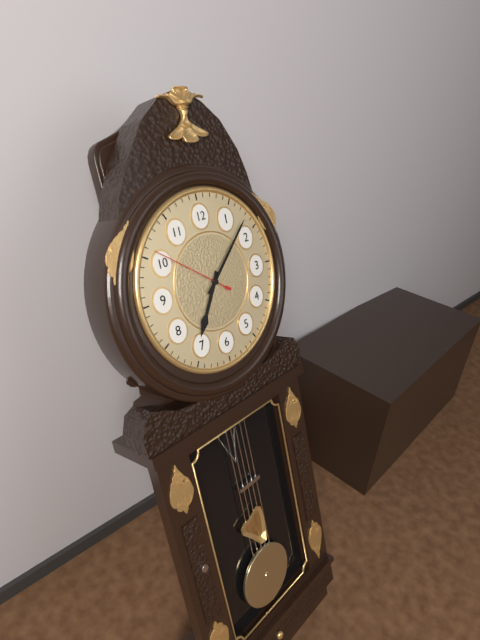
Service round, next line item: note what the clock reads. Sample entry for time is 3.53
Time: 7.08
